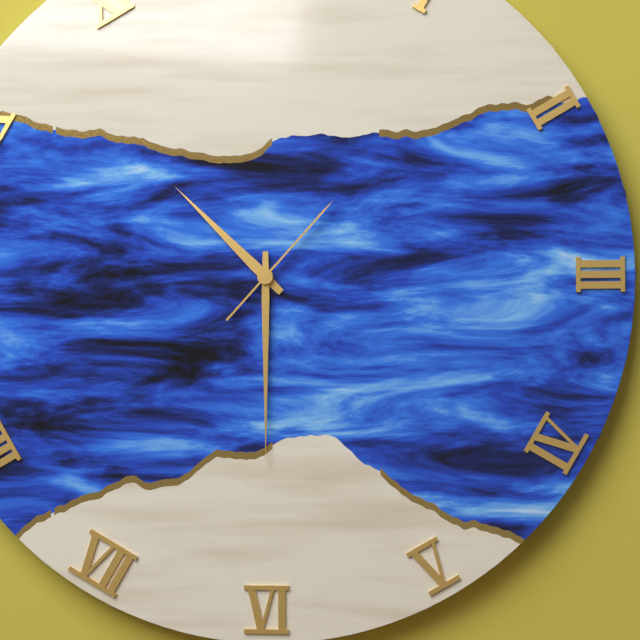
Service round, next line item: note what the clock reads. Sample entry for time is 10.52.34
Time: 10.30.07
